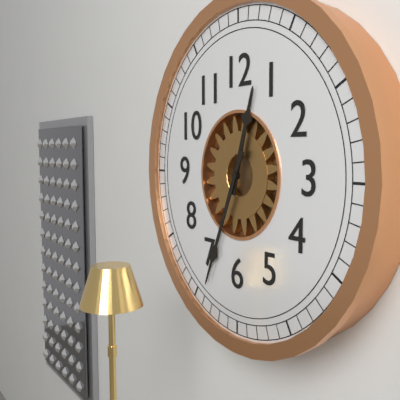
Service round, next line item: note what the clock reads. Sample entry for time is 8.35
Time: 12.34
